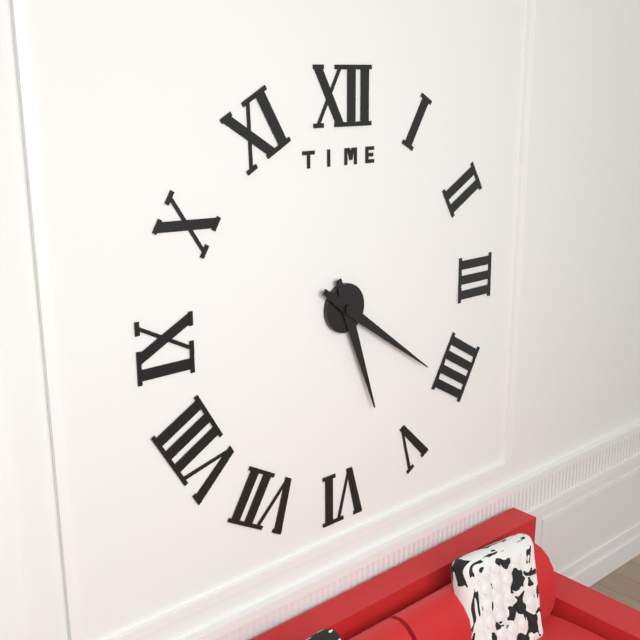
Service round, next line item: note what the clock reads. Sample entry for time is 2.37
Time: 5.21
